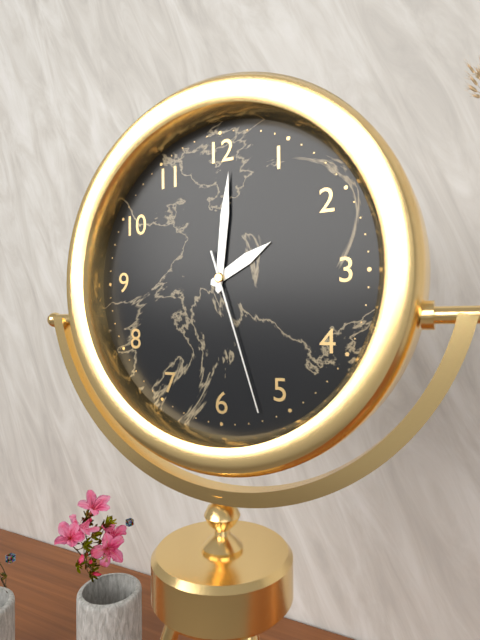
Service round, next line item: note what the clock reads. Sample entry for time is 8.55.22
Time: 2.01.27
